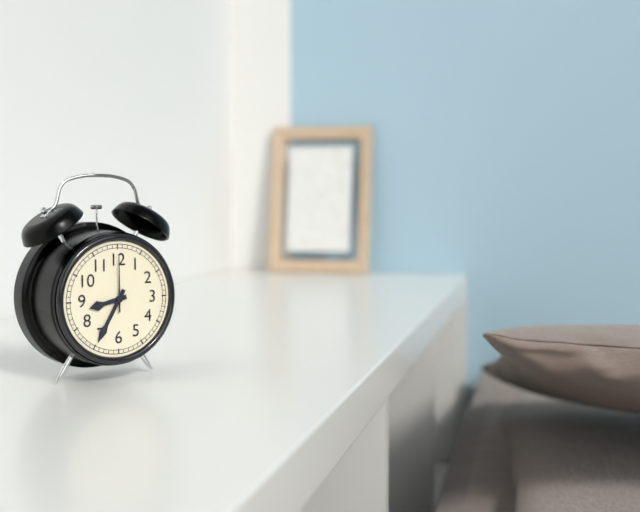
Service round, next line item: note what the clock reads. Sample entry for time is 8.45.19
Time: 8.35.00
